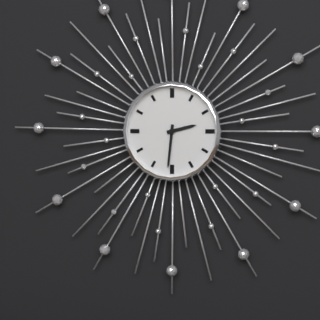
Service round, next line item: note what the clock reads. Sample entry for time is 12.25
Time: 2.31
